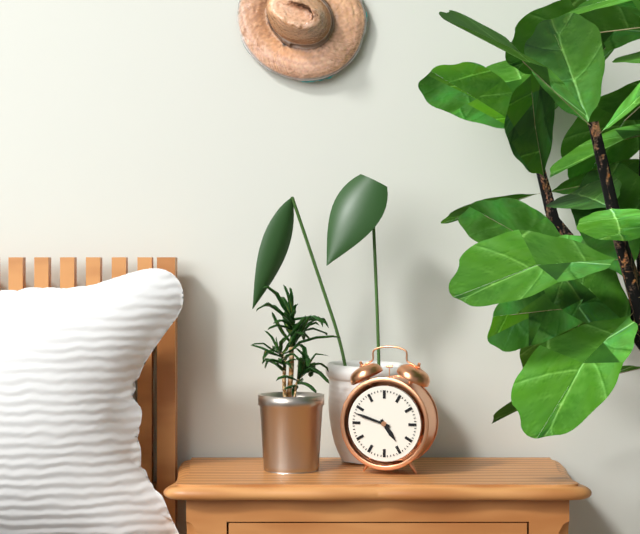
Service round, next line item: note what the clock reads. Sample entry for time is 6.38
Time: 4.48
